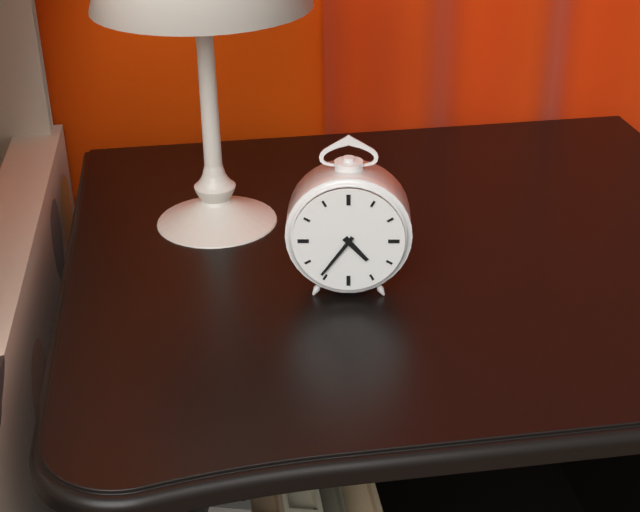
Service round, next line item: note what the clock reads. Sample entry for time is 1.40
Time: 4.36
